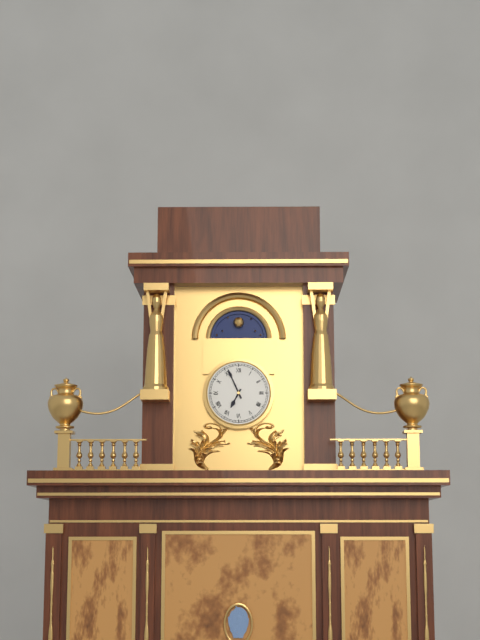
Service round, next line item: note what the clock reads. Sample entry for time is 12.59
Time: 6.56
